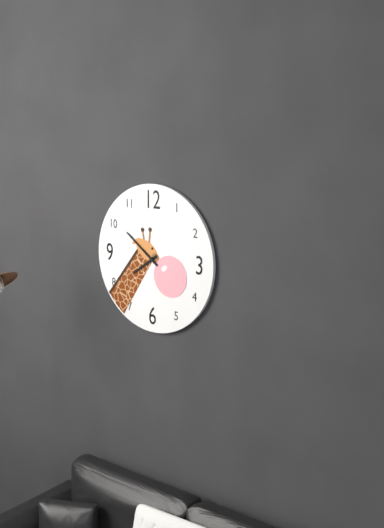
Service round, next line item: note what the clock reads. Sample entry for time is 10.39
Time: 7.51
